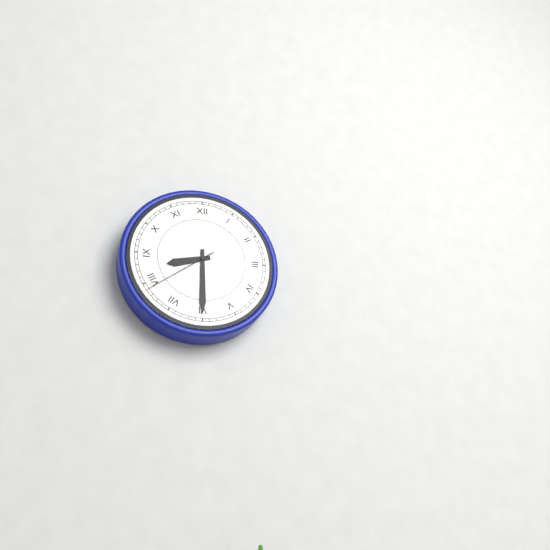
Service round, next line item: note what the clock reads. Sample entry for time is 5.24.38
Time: 8.30.39
